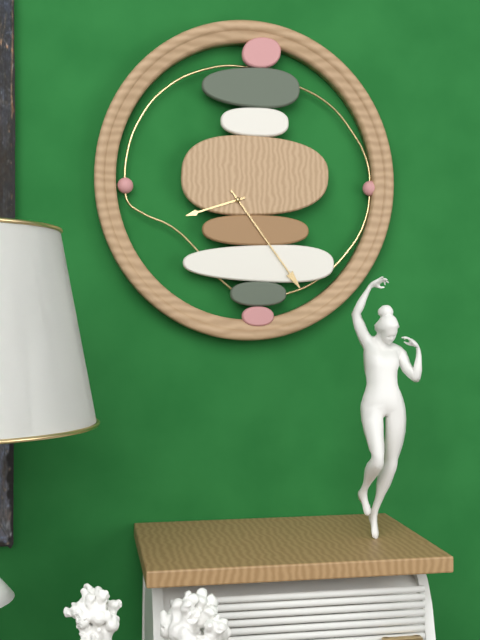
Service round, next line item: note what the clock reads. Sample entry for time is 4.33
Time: 8.24
